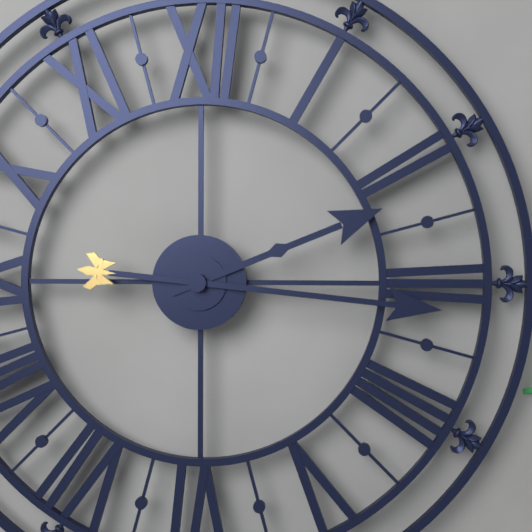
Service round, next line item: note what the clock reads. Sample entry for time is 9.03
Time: 2.16
